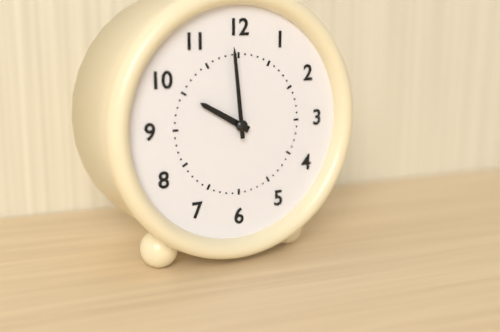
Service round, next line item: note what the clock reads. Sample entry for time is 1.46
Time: 9.59
